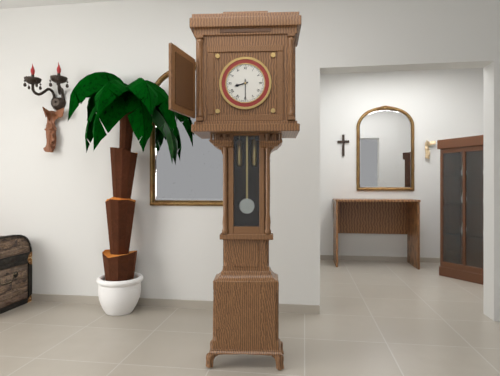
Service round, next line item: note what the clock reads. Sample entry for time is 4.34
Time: 8.30
